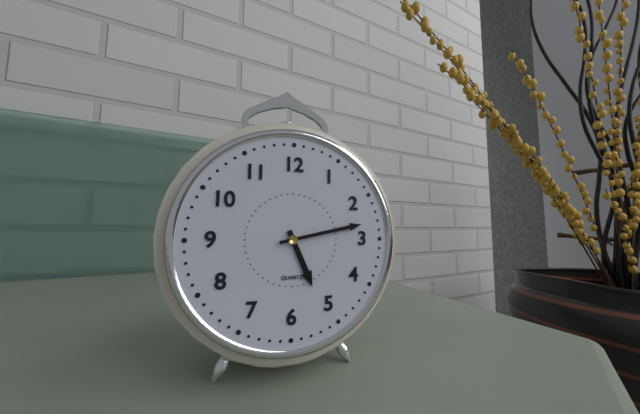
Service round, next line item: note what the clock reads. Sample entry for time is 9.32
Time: 5.13
